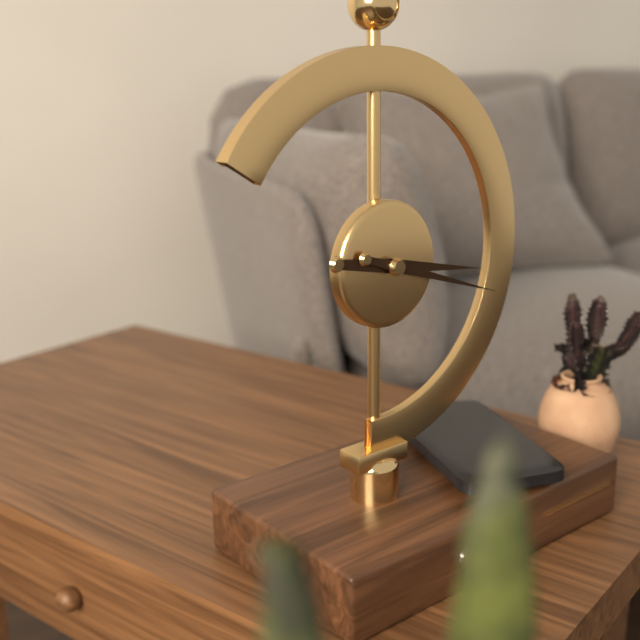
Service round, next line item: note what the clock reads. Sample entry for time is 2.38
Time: 3.18
